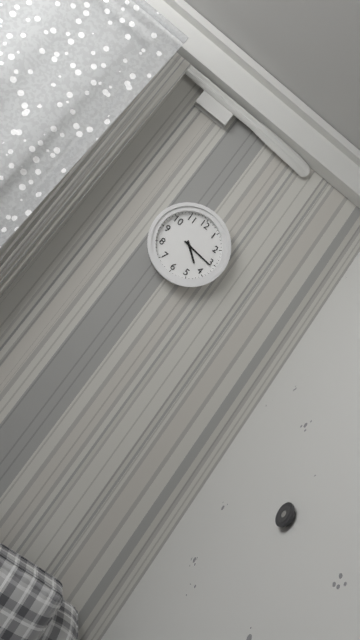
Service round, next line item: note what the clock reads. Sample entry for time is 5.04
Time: 4.16
